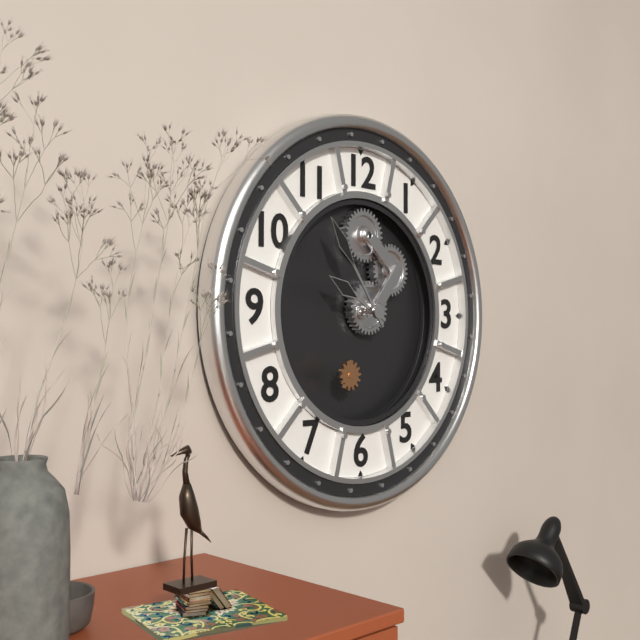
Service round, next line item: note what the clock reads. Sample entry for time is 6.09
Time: 9.54
